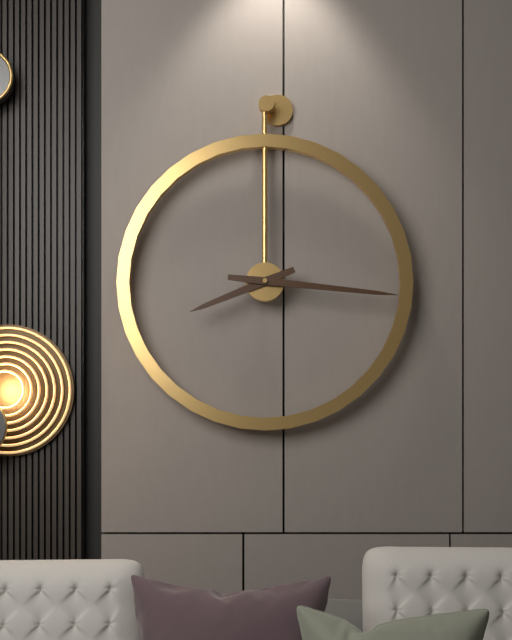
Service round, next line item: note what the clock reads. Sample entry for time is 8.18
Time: 8.16
